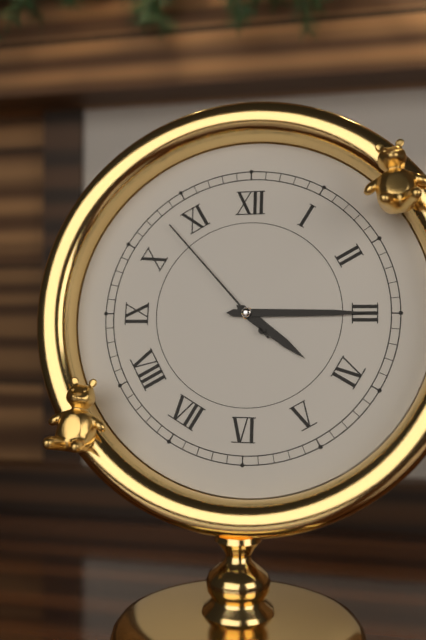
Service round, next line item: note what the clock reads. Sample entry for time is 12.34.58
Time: 4.15.53
